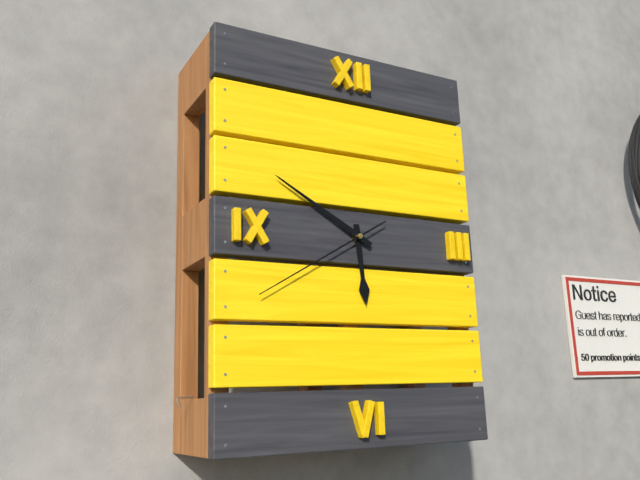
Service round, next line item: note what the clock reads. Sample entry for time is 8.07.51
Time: 5.50.40
